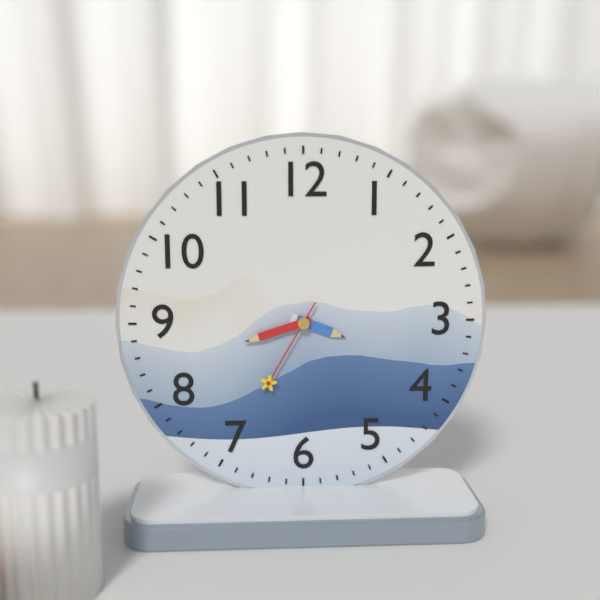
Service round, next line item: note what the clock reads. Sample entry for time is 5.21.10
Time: 3.42.35
